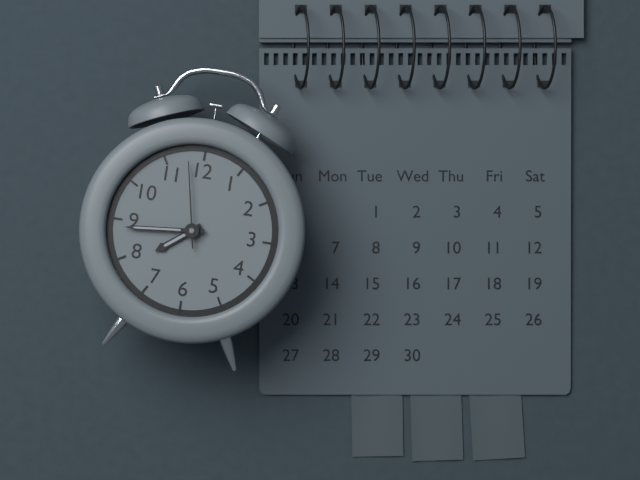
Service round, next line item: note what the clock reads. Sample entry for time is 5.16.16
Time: 7.44.58
